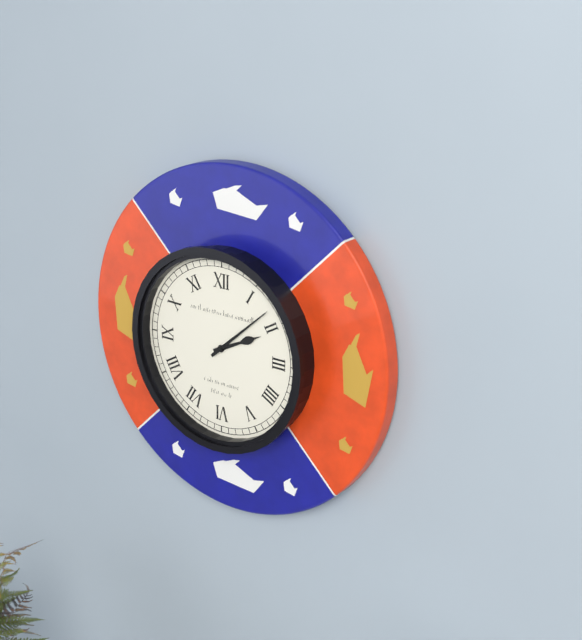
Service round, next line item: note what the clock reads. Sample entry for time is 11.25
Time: 2.08
